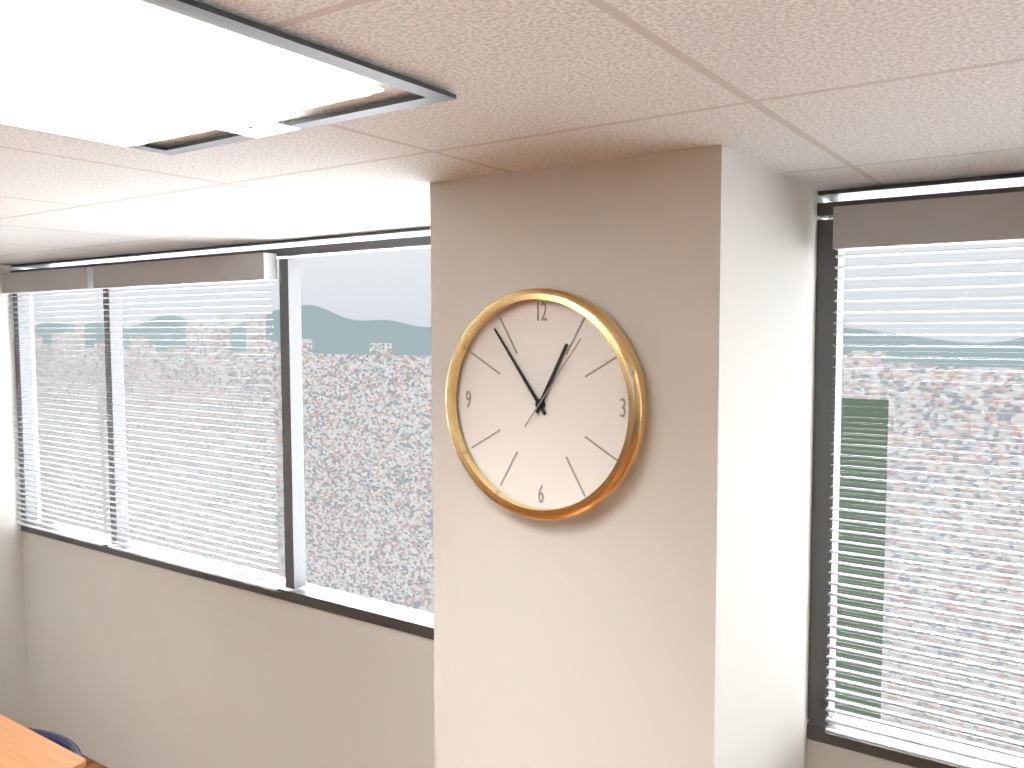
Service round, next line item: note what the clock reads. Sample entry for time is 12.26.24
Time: 12.54.06
